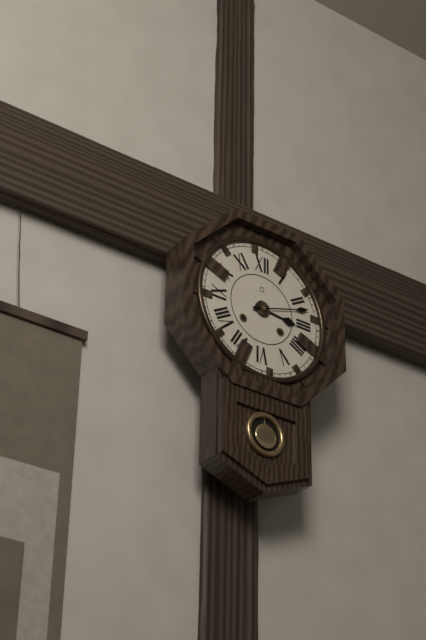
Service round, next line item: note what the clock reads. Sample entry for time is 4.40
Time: 3.12
